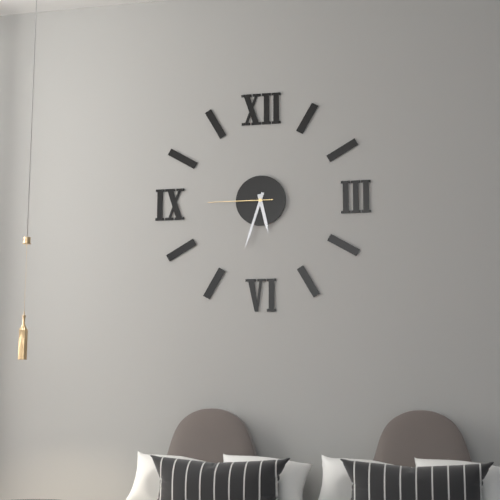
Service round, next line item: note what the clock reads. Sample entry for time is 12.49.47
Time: 5.33.45
